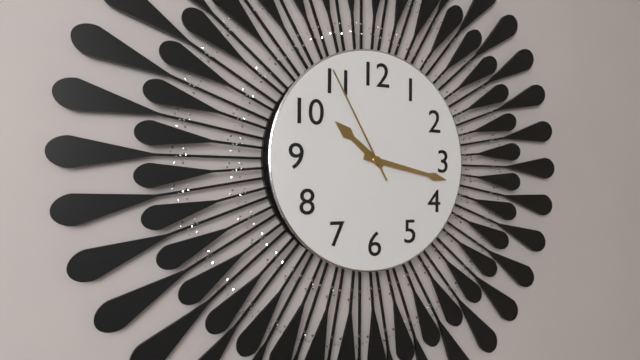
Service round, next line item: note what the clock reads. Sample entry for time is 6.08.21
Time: 10.17.55
